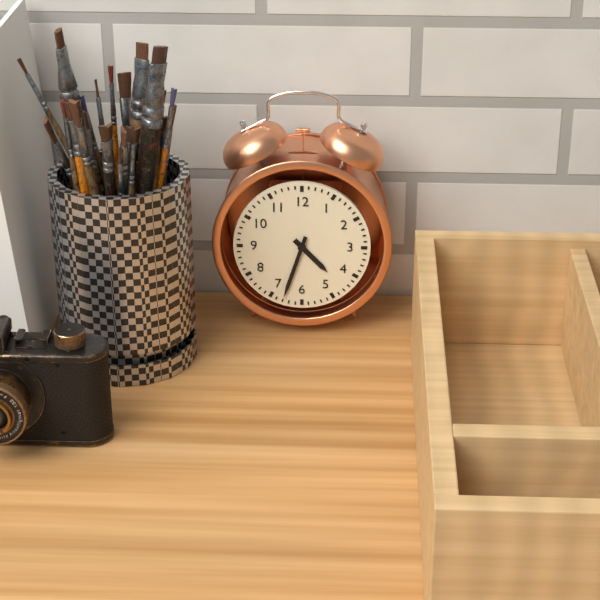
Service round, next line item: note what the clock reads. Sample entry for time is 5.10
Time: 4.33
